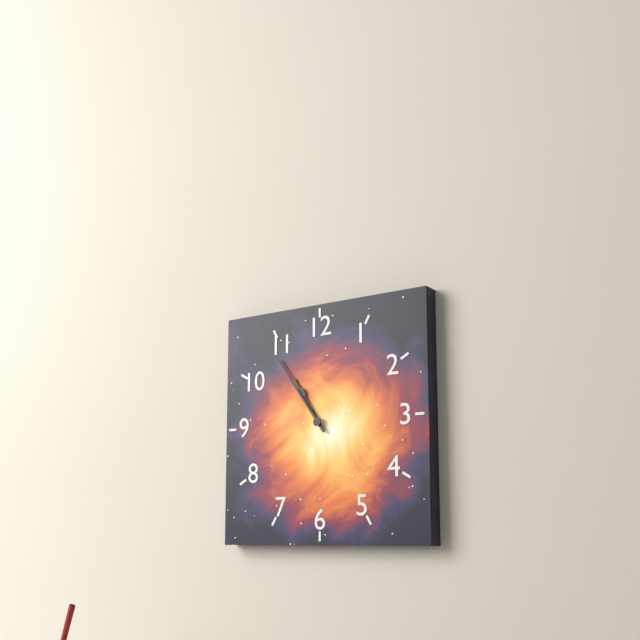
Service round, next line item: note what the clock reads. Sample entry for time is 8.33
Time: 10.54
